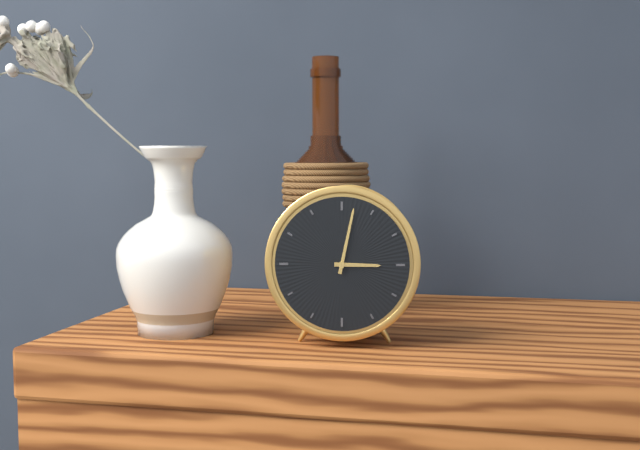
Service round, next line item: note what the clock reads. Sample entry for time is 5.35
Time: 3.02
